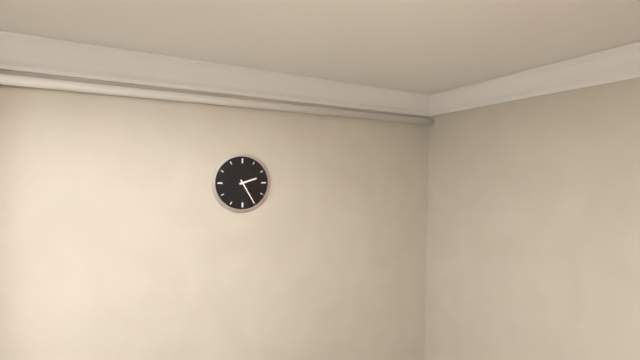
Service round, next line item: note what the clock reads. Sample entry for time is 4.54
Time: 2.25
